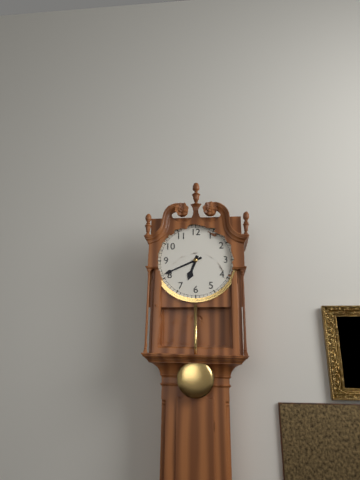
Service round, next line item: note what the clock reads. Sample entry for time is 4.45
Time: 6.41
